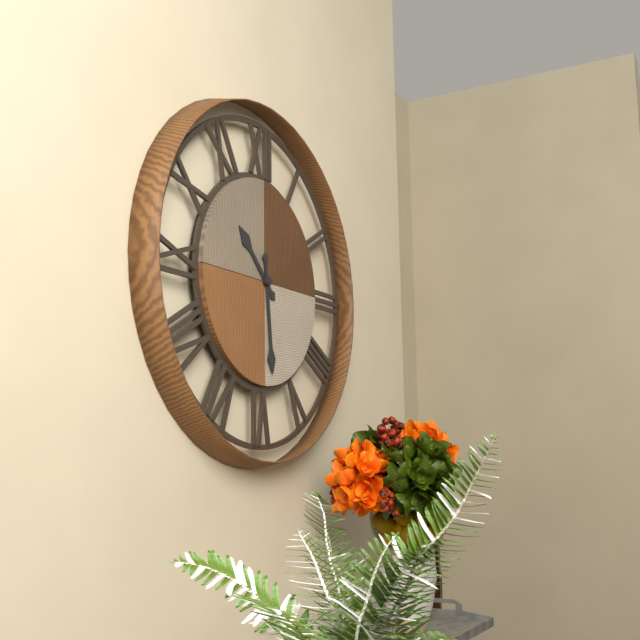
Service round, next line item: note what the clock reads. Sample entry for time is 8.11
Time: 10.29
